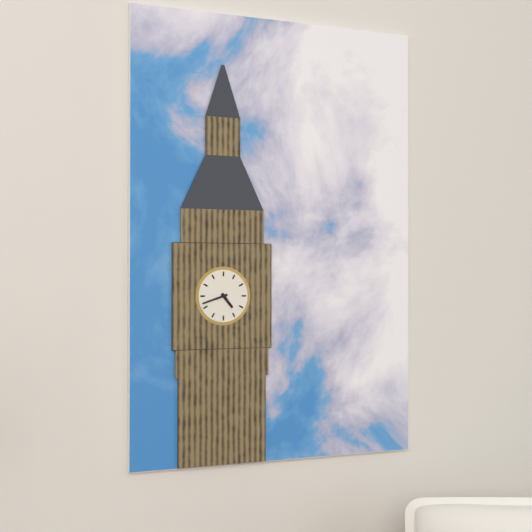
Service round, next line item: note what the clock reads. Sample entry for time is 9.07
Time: 4.42
